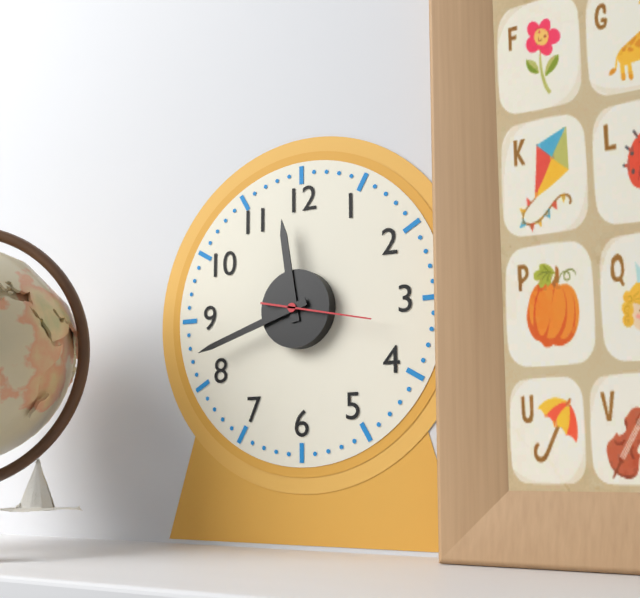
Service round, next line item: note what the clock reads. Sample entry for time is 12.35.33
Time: 11.42.17
